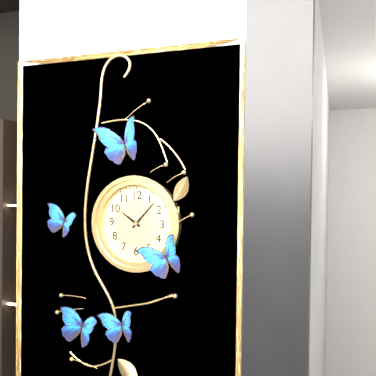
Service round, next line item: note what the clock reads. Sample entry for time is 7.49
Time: 10.07
